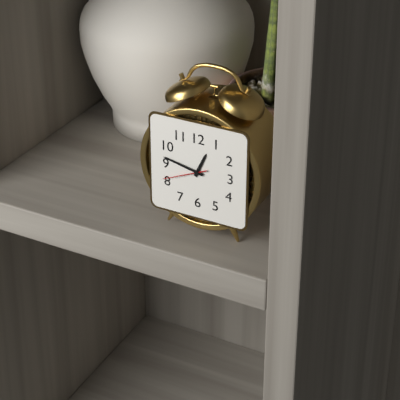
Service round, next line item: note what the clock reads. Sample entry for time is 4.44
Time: 12.47
